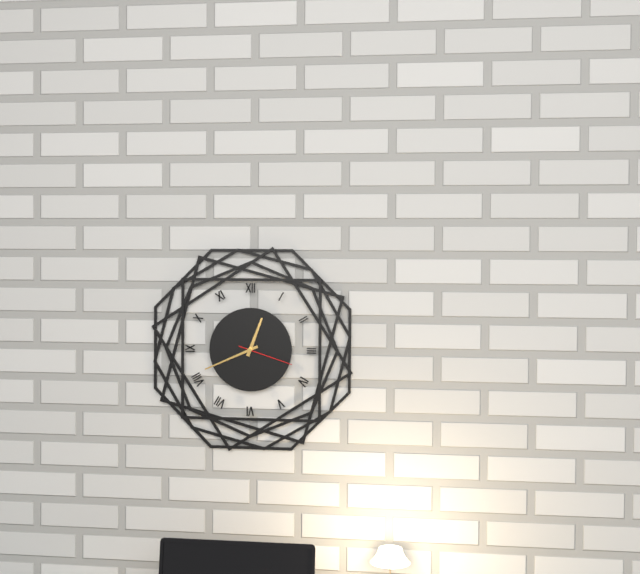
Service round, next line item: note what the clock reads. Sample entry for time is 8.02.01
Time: 12.41.18
